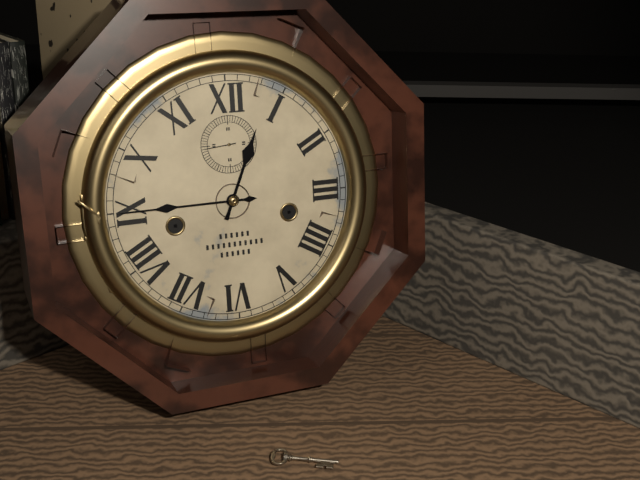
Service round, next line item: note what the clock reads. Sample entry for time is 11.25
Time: 12.45
